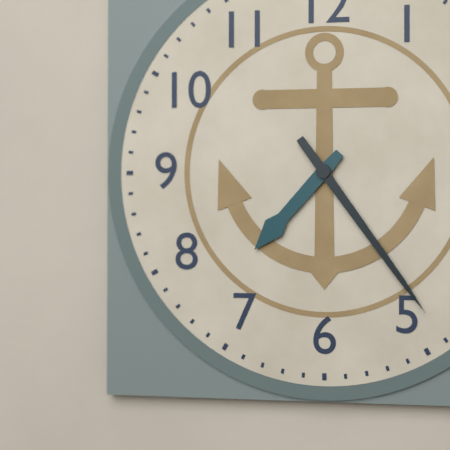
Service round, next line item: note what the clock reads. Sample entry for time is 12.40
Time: 7.24
